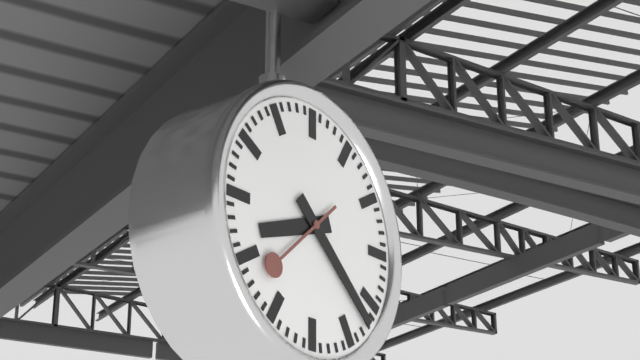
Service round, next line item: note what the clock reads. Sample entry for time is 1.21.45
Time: 8.22.38
